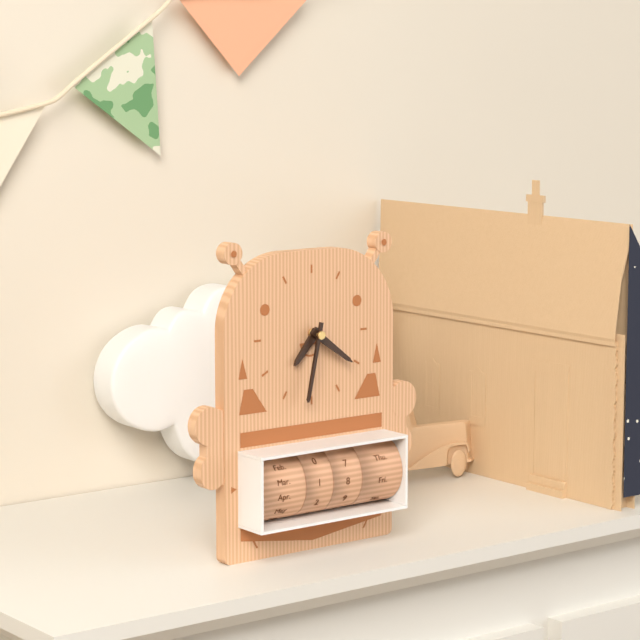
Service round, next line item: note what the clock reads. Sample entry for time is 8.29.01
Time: 7.21.32
